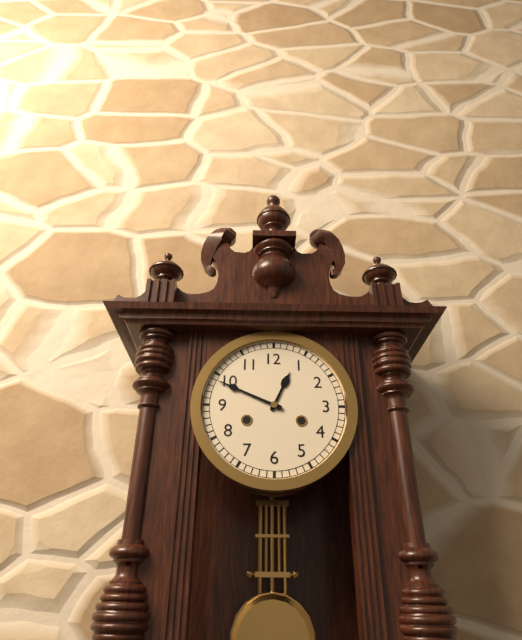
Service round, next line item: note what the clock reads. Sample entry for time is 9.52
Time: 12.49
